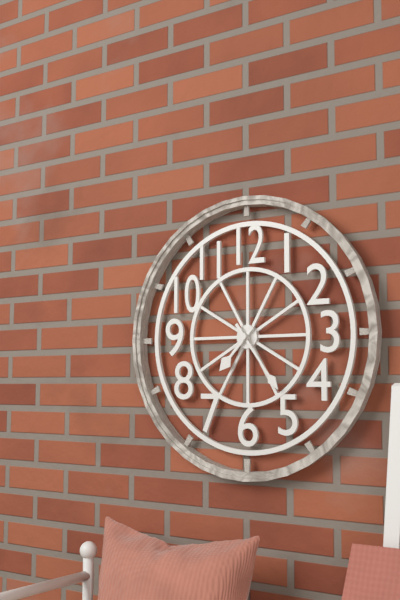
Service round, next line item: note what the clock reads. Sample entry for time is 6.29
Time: 7.24
